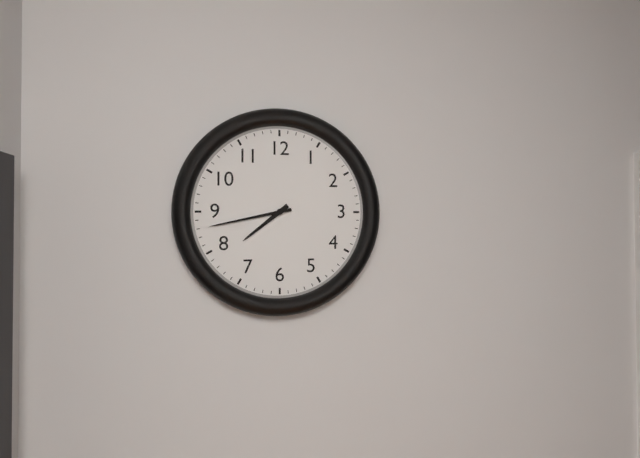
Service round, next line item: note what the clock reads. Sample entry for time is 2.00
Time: 7.43
